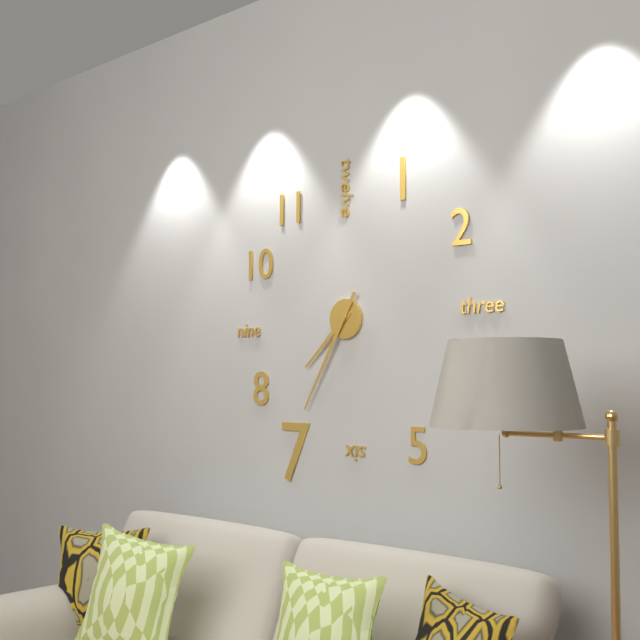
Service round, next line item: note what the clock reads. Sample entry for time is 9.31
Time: 7.35
